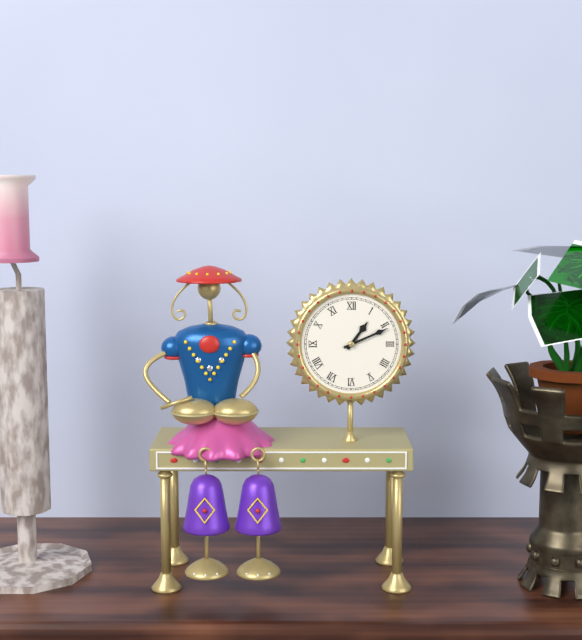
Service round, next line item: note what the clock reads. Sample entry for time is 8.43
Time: 1.11
